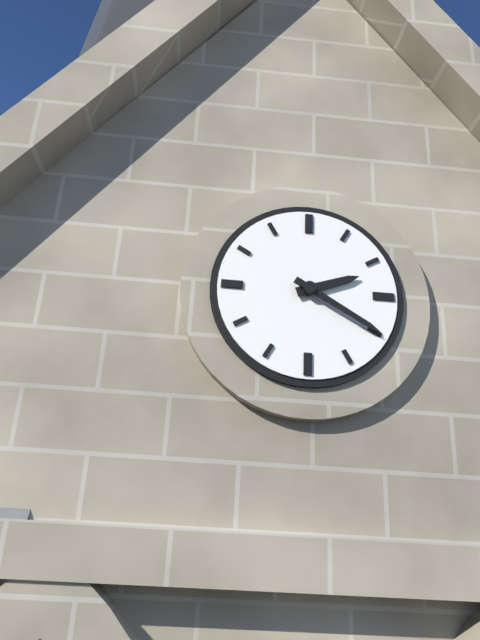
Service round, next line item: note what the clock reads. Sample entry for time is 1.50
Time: 2.20
